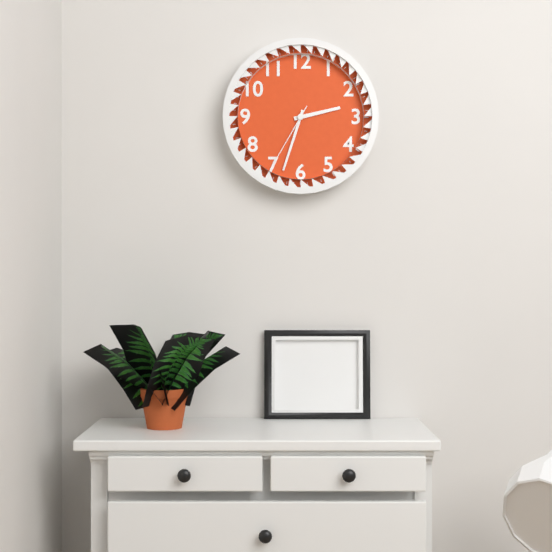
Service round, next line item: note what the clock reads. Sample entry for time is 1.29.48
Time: 2.33.35
